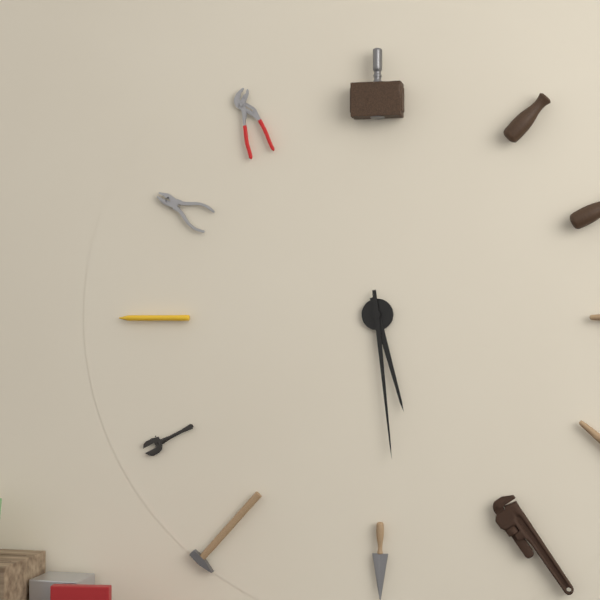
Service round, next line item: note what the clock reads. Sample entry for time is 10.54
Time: 5.29
